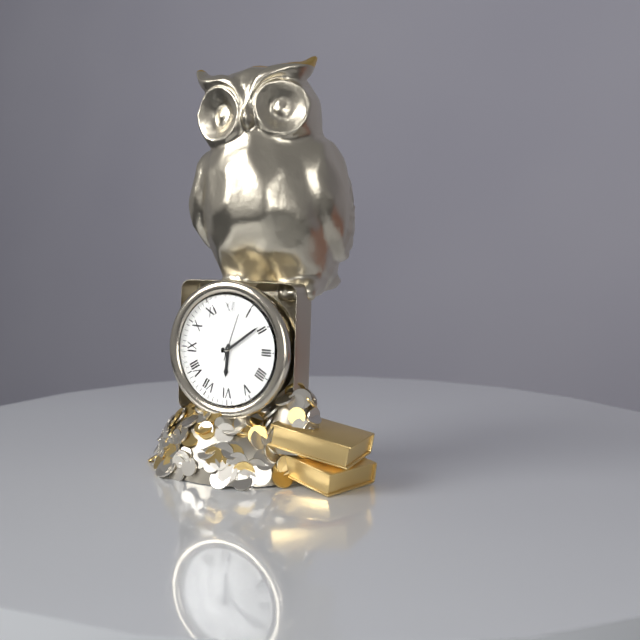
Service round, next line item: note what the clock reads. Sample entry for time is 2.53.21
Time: 6.09.03
